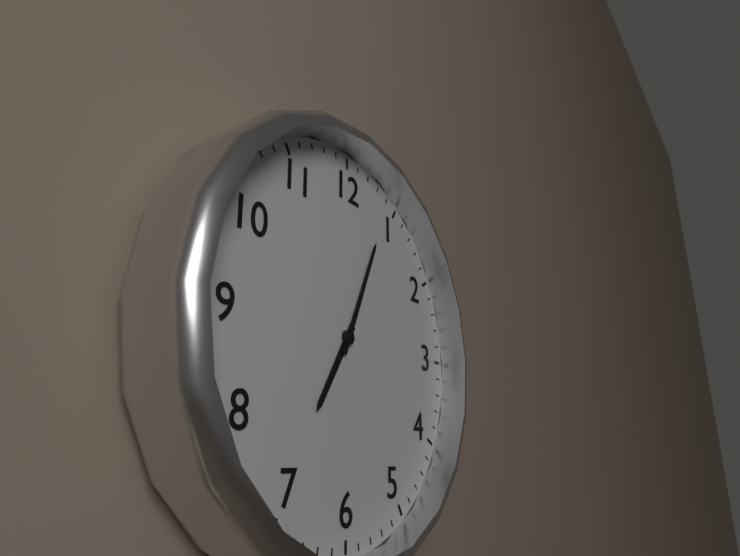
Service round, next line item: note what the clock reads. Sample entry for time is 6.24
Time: 7.04
